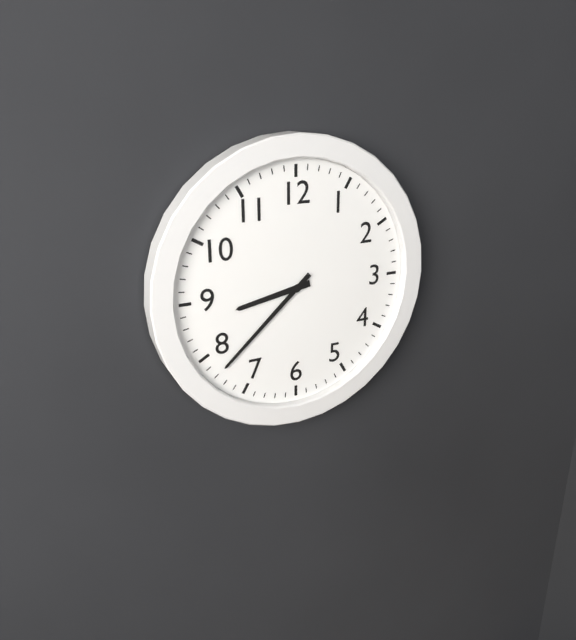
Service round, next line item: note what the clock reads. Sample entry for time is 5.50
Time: 8.38
